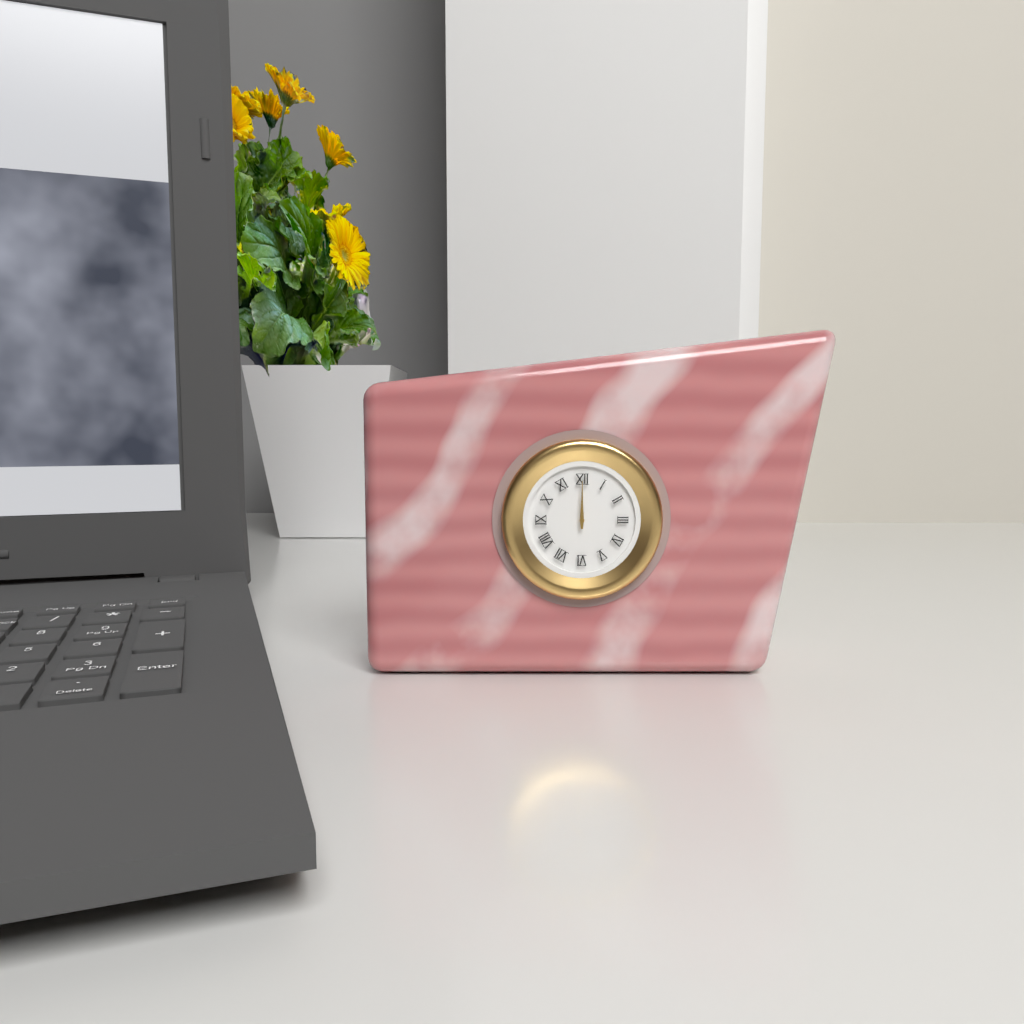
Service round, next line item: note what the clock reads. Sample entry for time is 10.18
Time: 12.00
